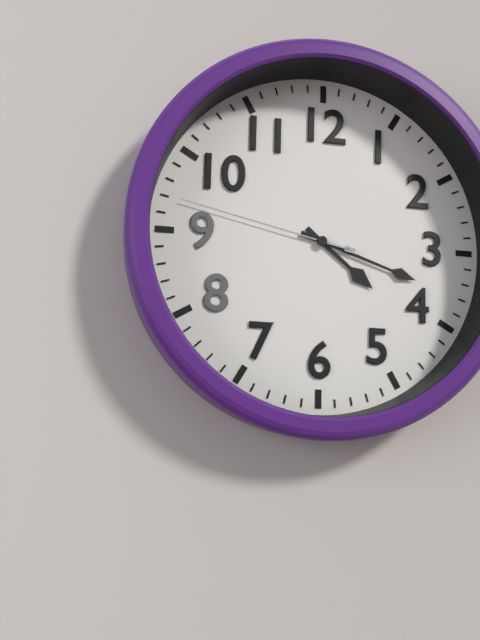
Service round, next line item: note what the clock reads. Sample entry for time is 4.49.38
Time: 4.18.47
